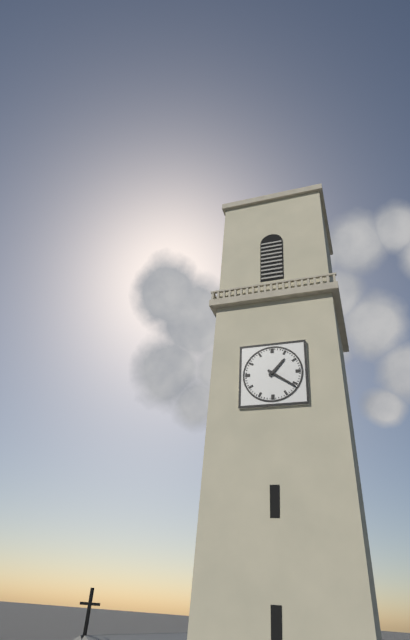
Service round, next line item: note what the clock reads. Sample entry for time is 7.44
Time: 1.21
